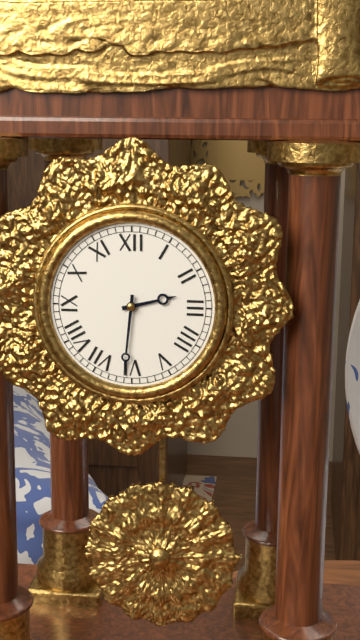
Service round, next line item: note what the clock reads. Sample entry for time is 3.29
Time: 2.31
